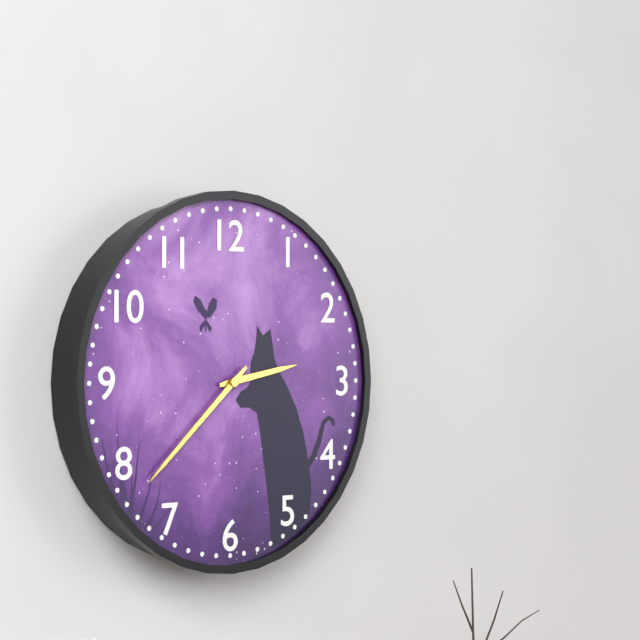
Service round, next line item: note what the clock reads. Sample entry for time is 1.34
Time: 2.38
